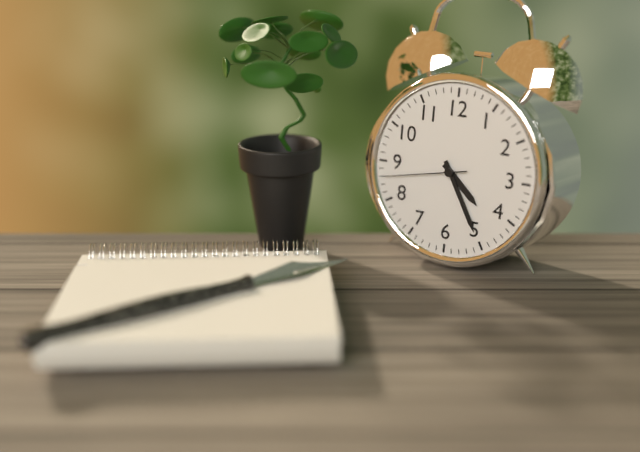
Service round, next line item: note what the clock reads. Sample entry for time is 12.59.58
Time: 4.25.43
